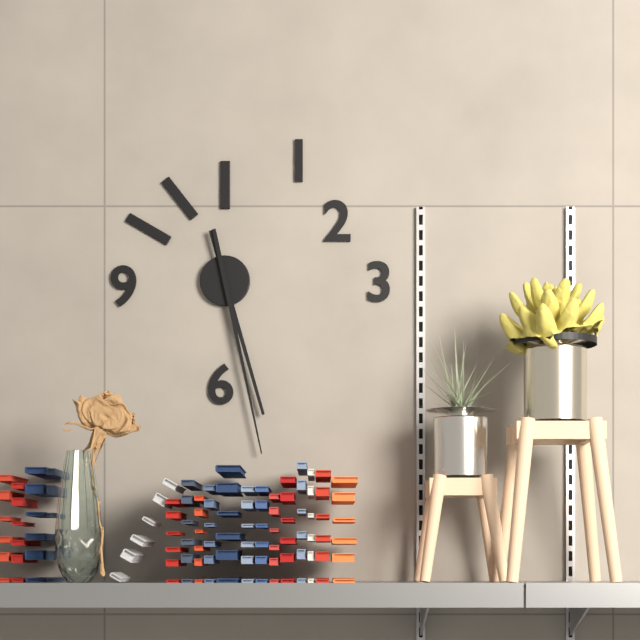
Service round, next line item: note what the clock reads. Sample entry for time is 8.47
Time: 5.28
